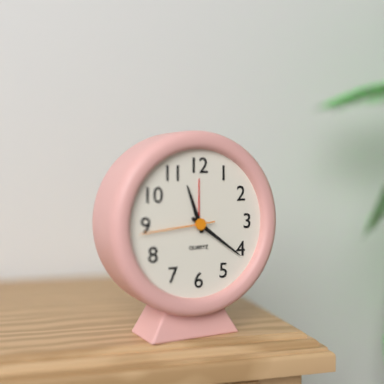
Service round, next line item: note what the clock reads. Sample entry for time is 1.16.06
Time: 11.21.44
